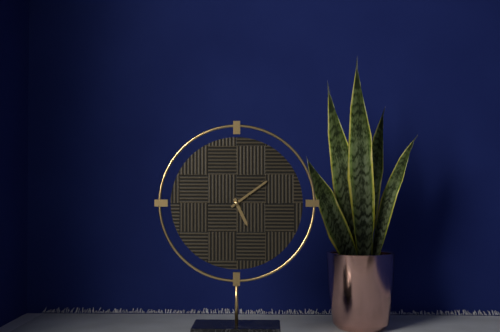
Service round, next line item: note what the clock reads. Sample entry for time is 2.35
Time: 5.09
